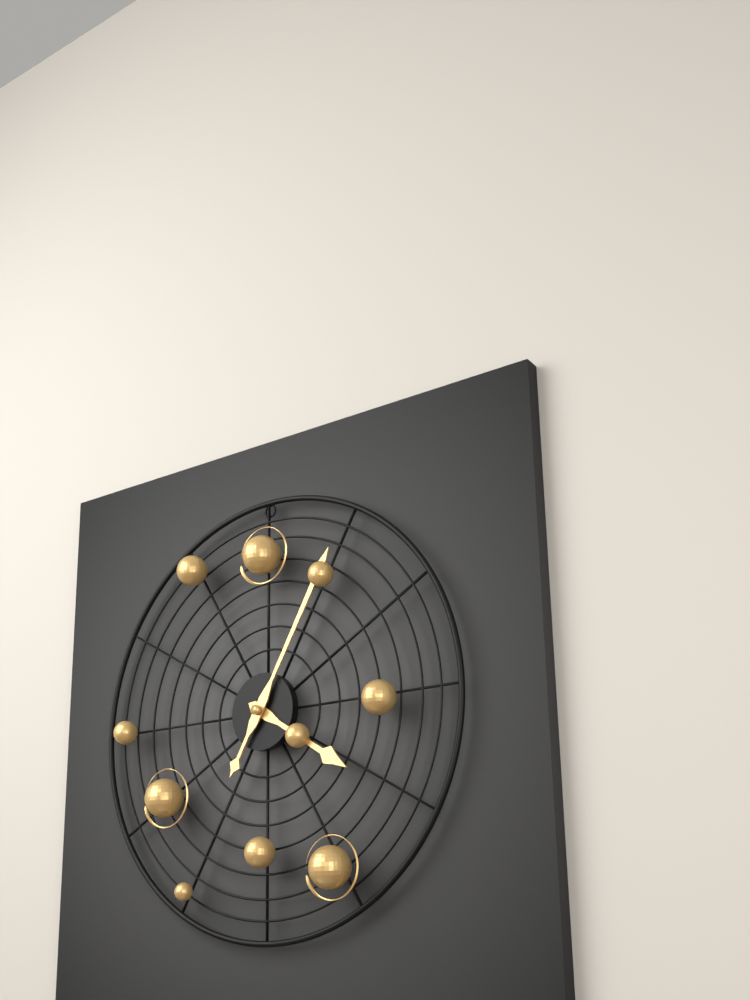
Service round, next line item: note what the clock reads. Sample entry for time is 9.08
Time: 4.05
